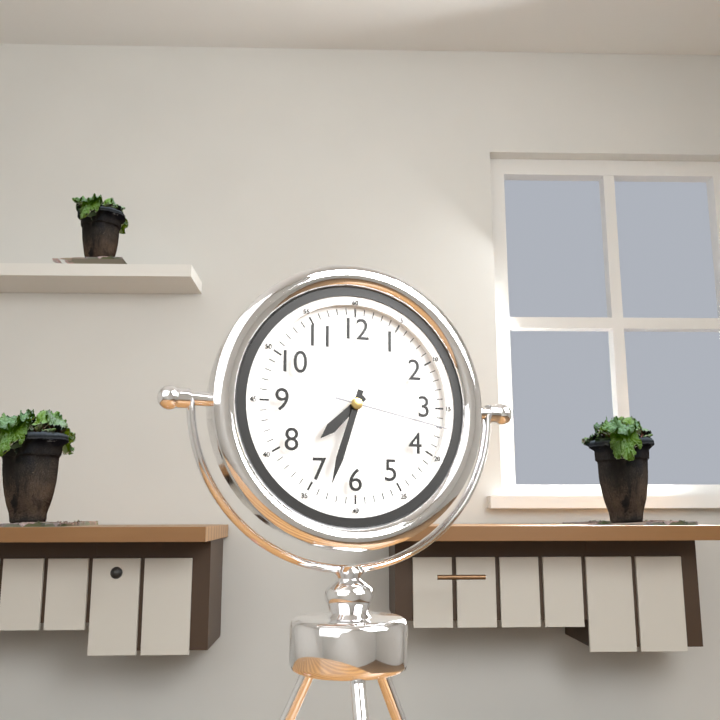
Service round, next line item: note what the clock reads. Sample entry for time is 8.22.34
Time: 7.33.17
